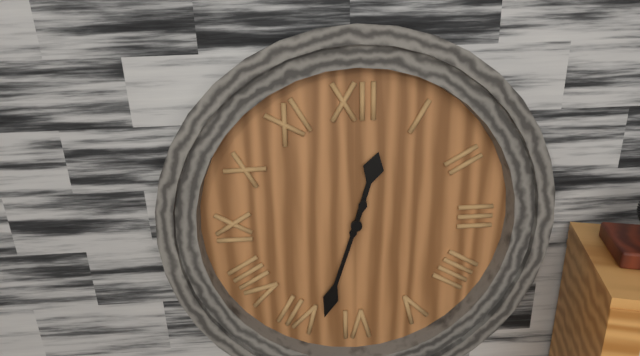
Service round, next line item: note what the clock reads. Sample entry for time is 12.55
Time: 12.33
